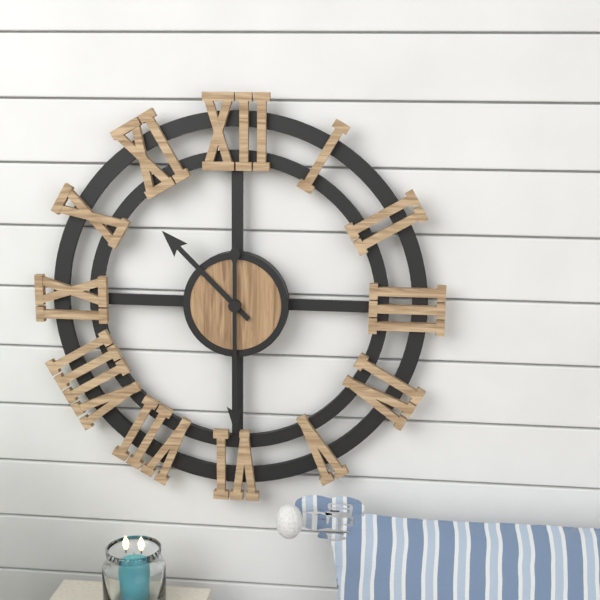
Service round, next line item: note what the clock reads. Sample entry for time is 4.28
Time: 10.30
